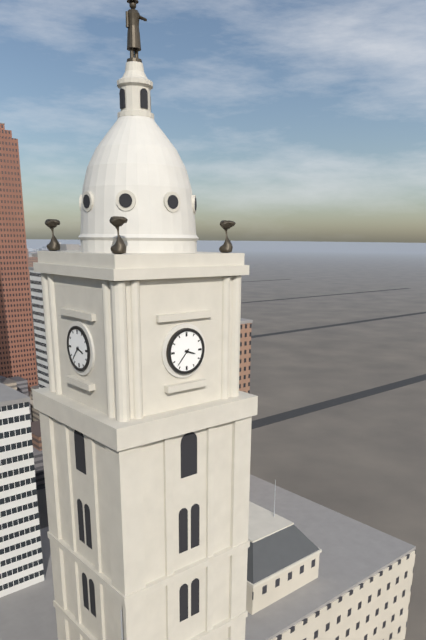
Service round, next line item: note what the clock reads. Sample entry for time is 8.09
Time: 3.37
